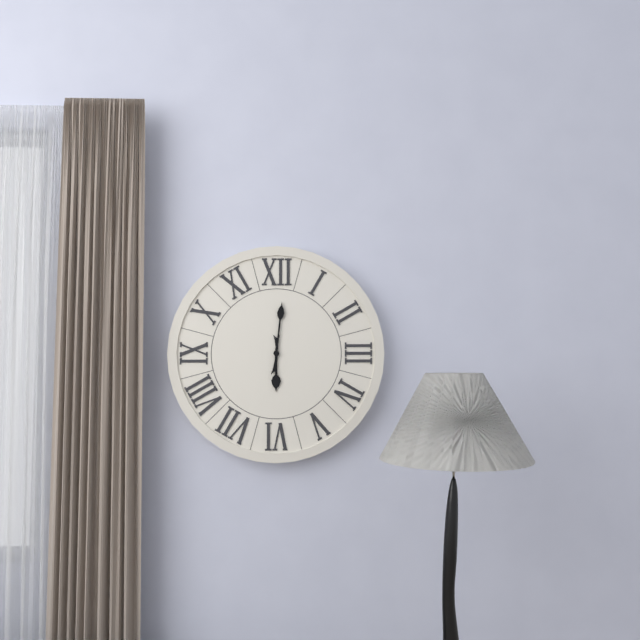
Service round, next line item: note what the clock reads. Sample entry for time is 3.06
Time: 6.01
